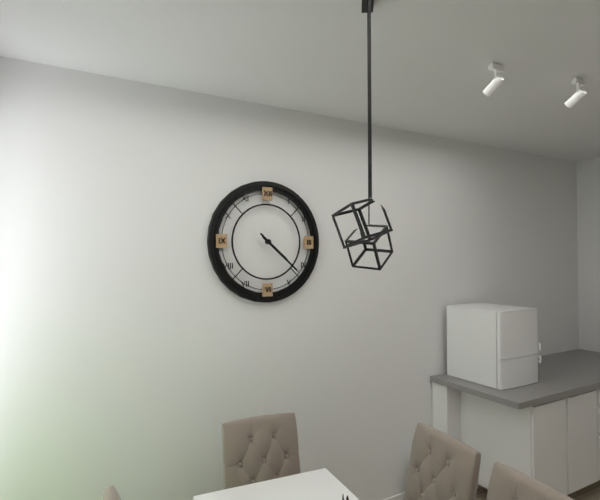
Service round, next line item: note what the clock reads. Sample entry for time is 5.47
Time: 4.22
